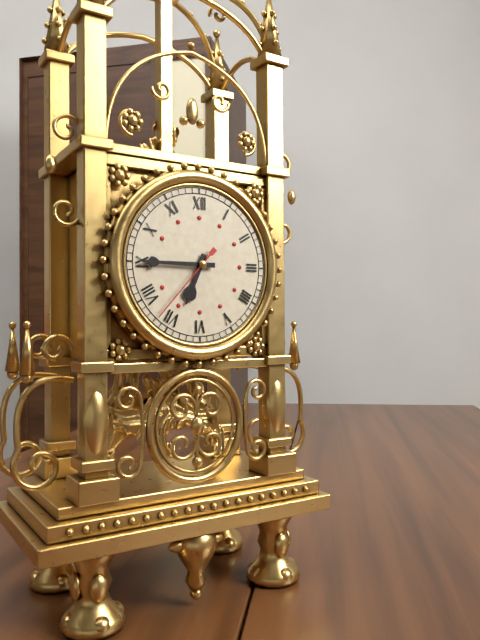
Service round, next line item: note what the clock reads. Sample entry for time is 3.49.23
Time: 6.45.37
